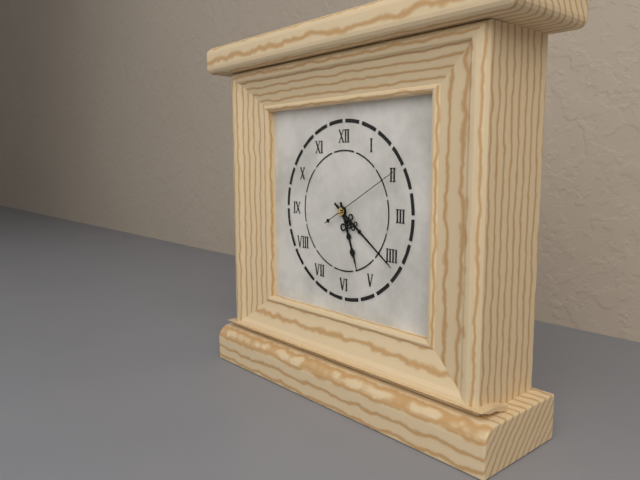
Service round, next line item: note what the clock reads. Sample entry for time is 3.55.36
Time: 5.21.10
